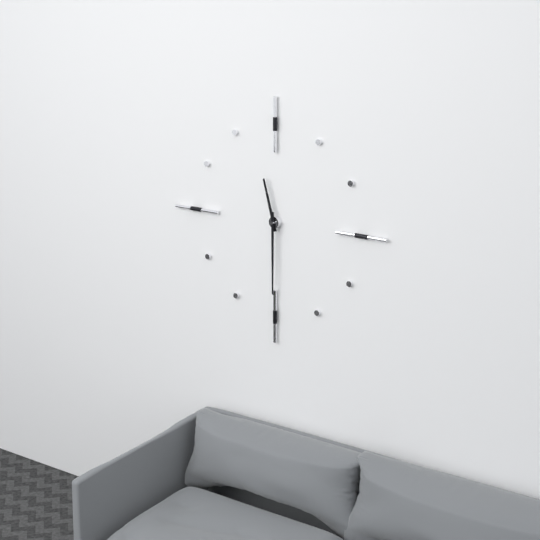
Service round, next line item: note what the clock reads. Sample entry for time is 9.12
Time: 11.30
